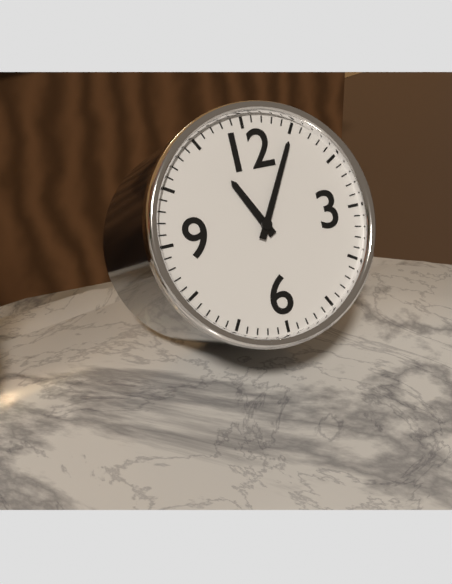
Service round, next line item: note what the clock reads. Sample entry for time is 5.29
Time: 11.05
